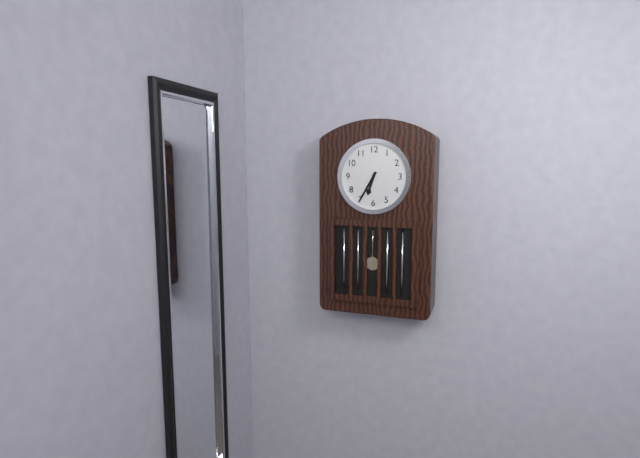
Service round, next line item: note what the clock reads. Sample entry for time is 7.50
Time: 6.35
